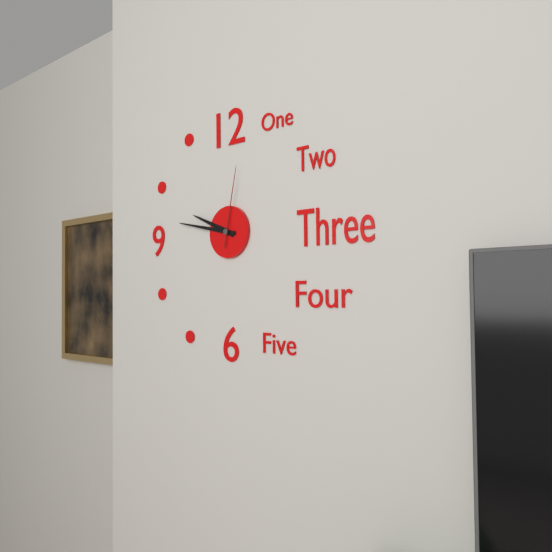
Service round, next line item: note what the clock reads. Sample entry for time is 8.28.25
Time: 9.47.02
